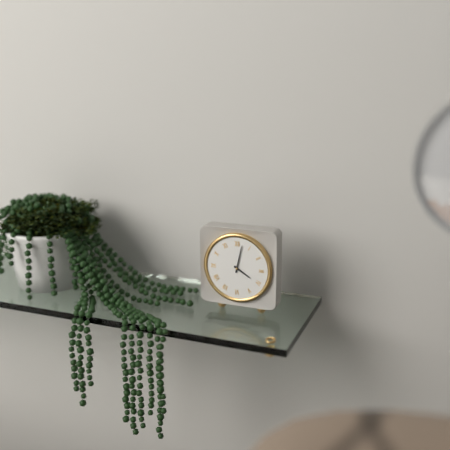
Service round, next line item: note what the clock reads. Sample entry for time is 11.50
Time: 4.02
